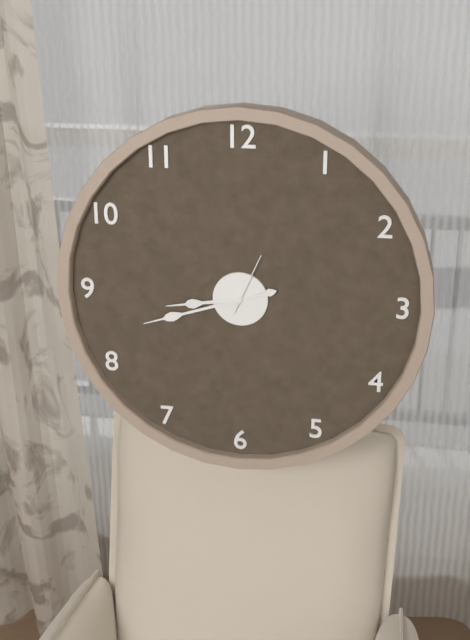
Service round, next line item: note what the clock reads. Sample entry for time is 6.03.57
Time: 8.42.04
